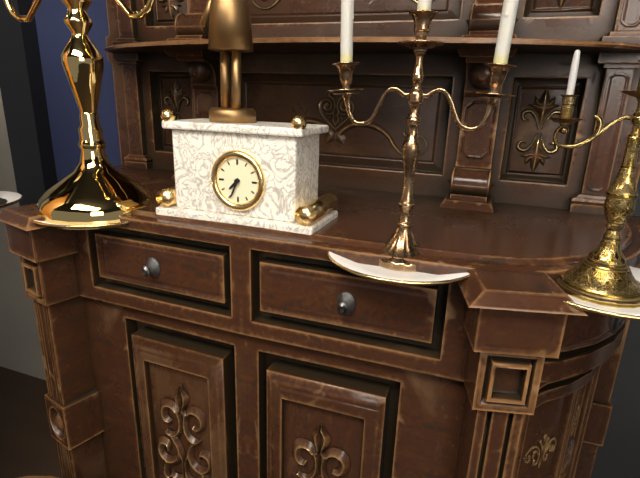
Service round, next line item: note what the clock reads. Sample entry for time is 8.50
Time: 7.34
